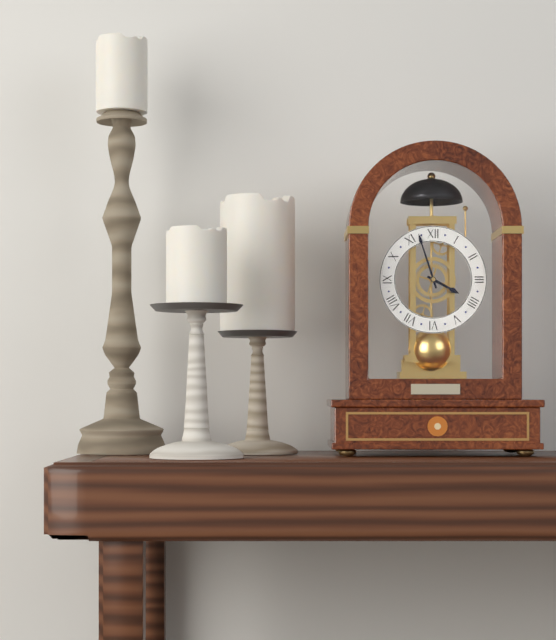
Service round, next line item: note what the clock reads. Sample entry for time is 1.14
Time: 3.57
